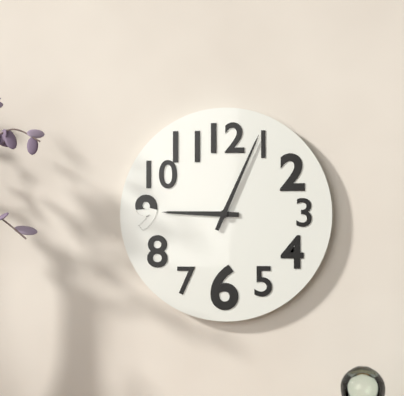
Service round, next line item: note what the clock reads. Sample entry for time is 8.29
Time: 9.04
